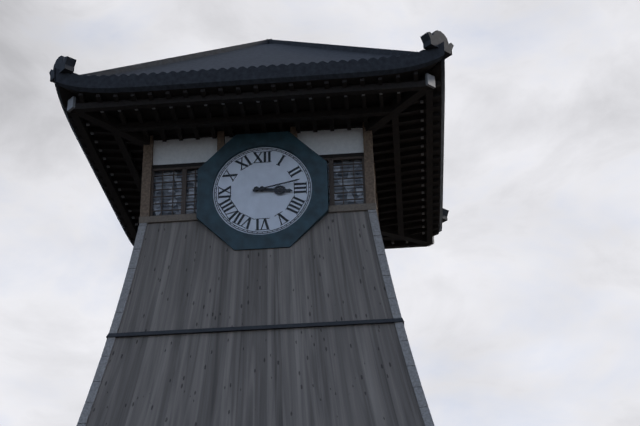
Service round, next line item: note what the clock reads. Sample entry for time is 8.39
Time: 3.13
